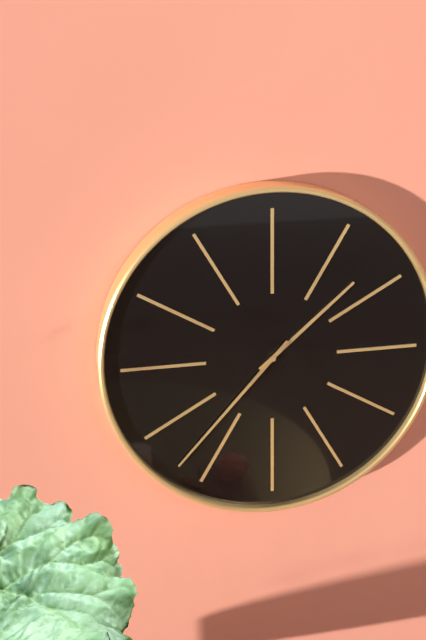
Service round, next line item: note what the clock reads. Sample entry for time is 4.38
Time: 1.37
